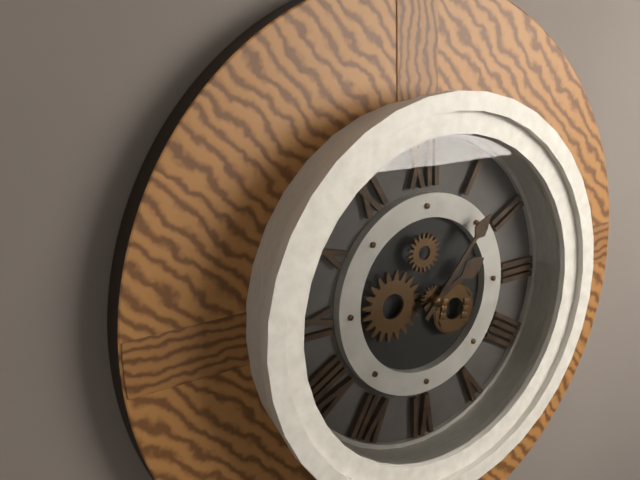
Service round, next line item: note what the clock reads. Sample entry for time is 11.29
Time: 2.07
